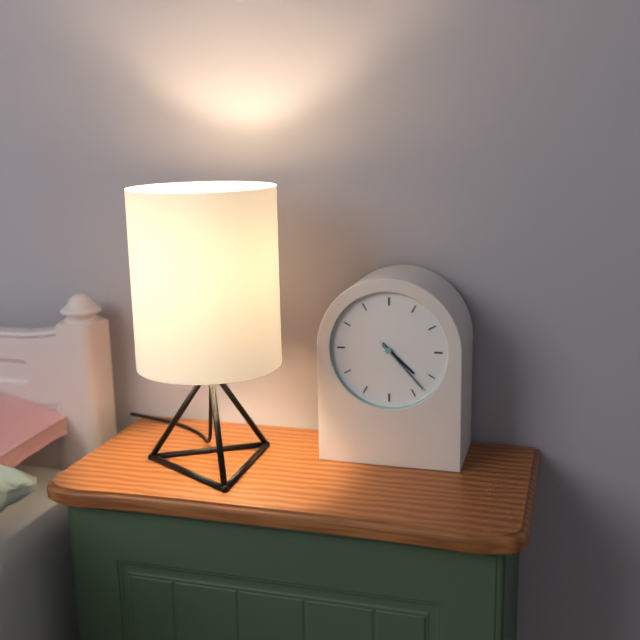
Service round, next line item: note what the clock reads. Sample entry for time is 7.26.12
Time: 4.23.23
